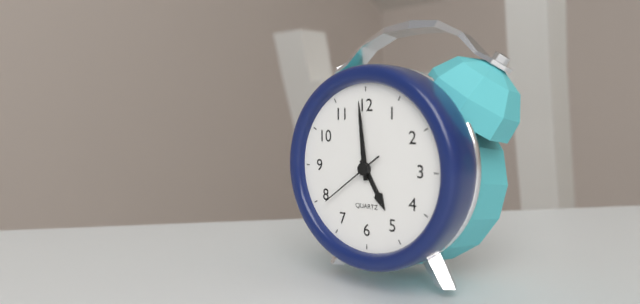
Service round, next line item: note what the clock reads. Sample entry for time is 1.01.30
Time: 4.59.39
